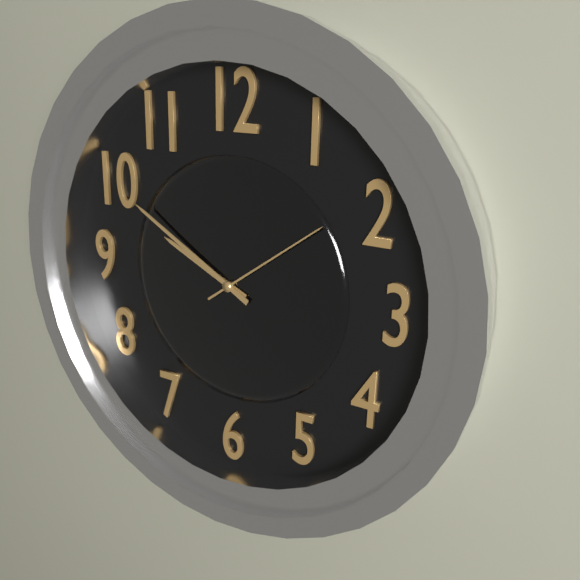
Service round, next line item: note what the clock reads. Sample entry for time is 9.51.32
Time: 9.50.09
